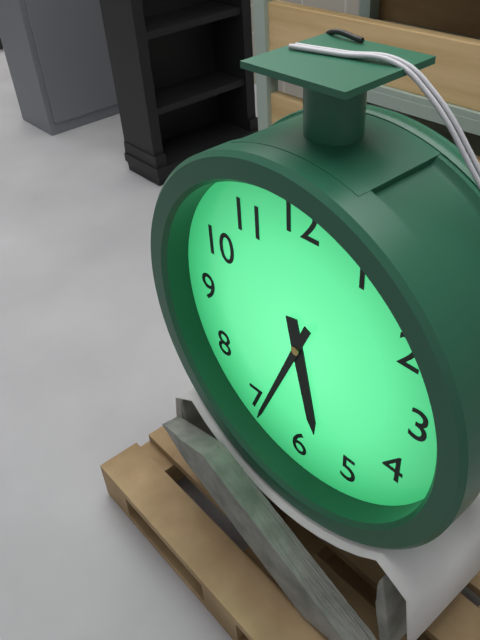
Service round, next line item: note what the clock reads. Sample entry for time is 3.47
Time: 5.34
